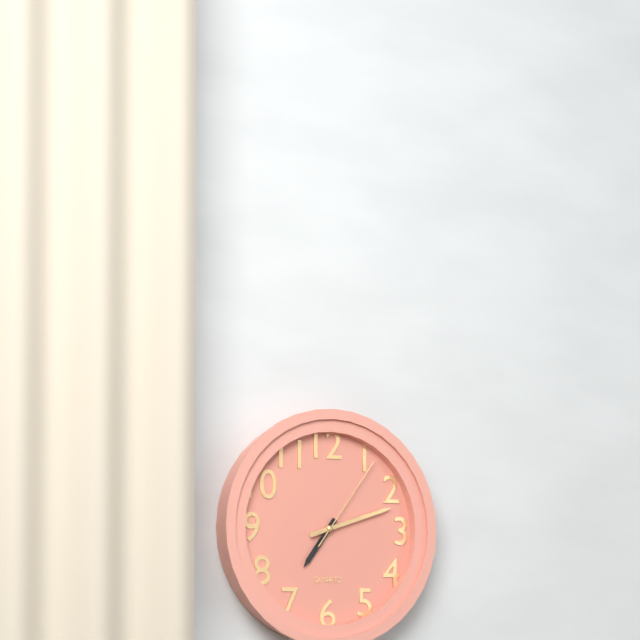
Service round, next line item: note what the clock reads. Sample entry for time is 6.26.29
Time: 7.12.06
